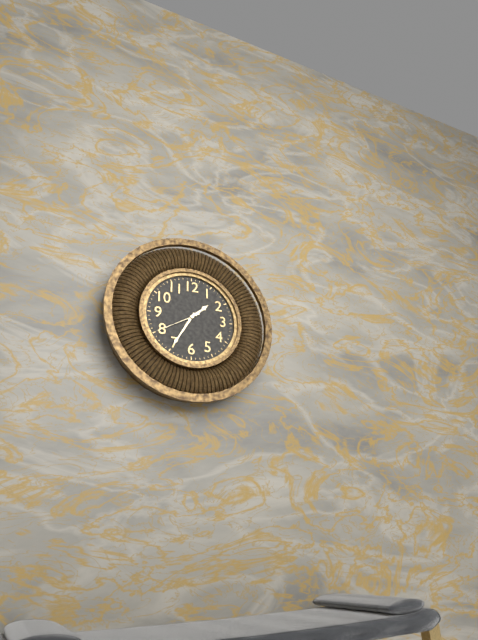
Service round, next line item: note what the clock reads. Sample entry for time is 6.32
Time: 1.35
